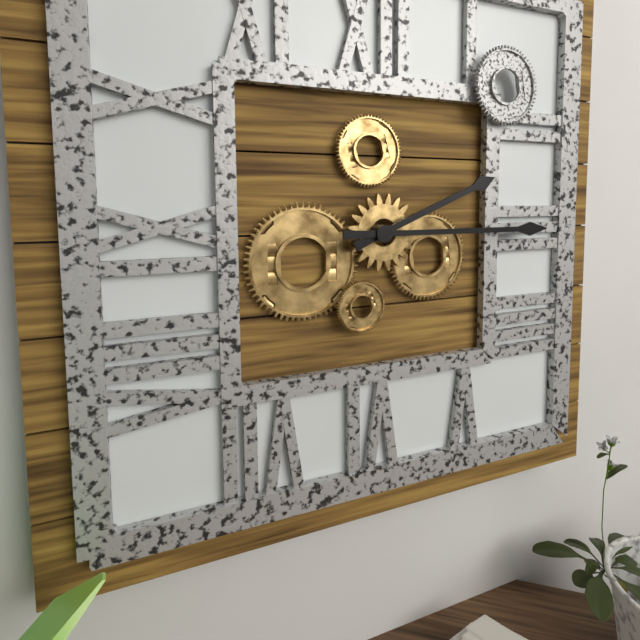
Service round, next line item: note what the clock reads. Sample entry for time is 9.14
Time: 2.15
